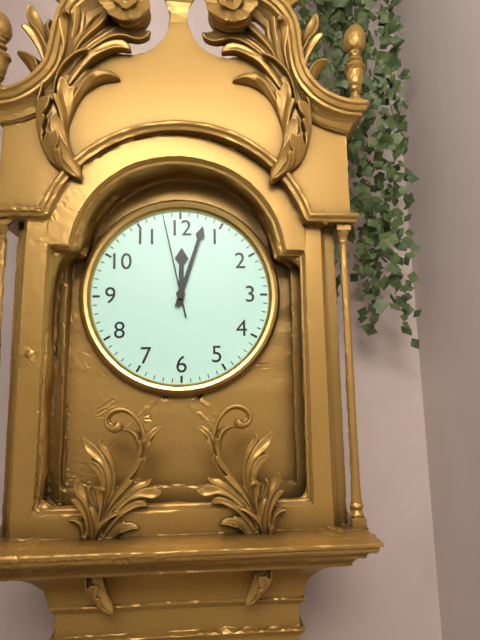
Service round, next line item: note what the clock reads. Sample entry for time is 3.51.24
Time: 12.03.58
